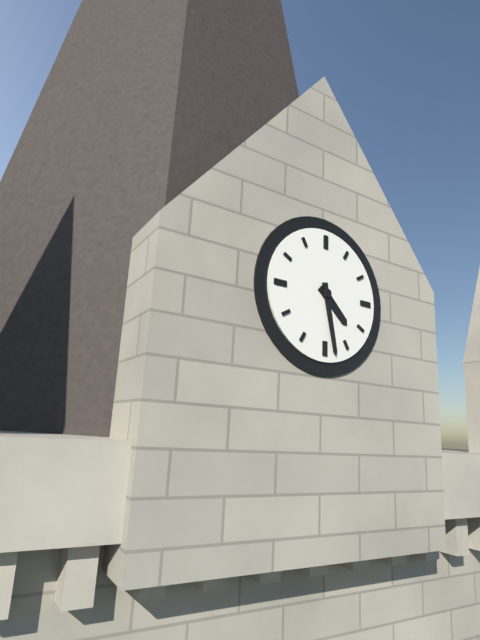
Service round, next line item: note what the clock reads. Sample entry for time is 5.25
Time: 4.28
